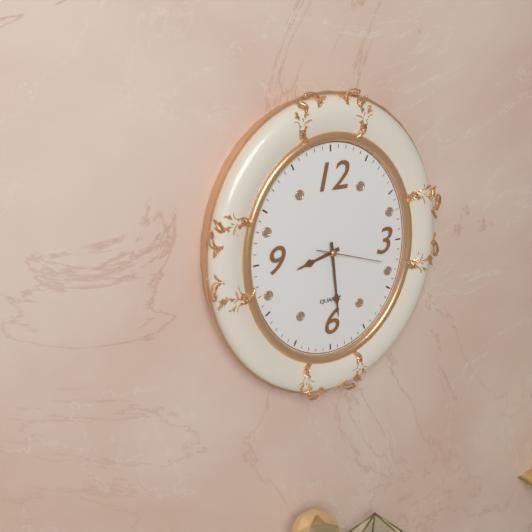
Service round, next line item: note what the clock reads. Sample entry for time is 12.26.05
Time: 8.29.18
